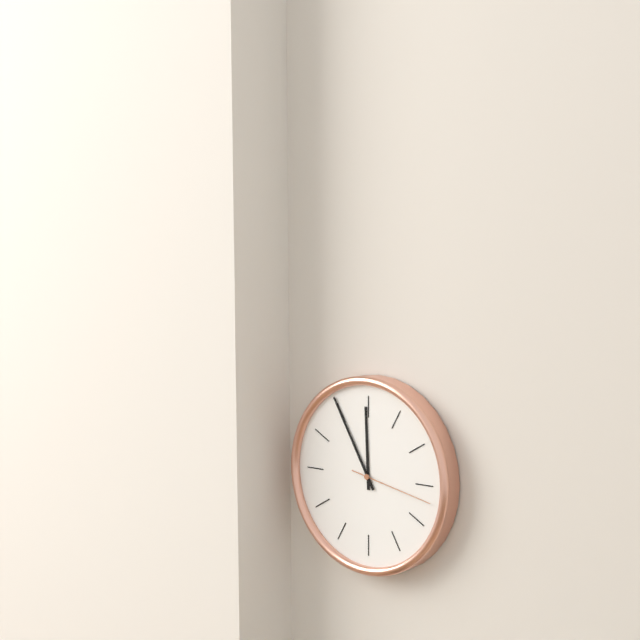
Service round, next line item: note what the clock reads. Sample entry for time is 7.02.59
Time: 11.55.17
